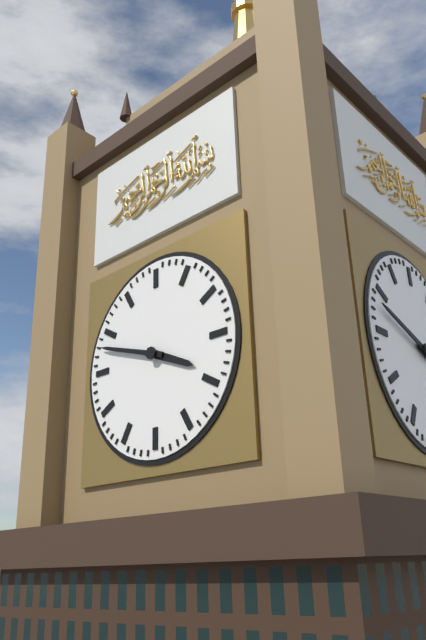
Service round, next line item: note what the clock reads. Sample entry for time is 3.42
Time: 3.48
